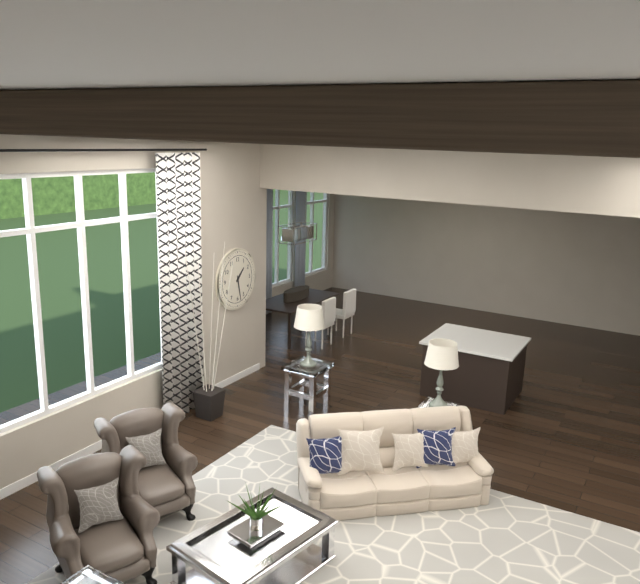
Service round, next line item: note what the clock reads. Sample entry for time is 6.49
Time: 1.28
